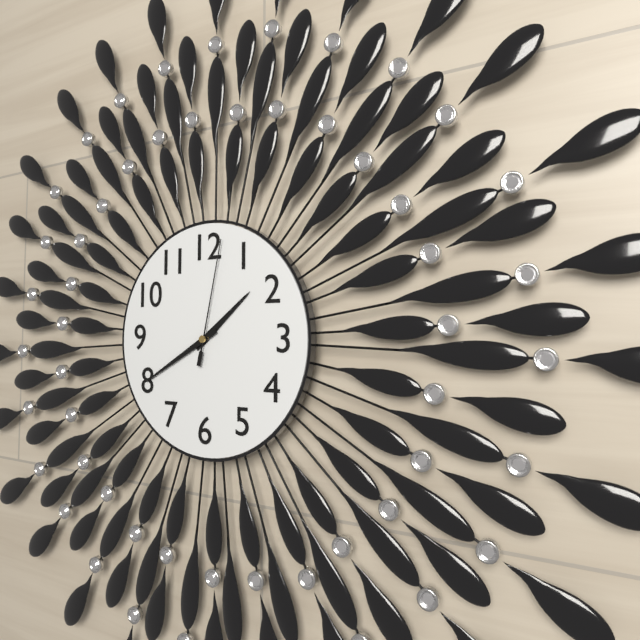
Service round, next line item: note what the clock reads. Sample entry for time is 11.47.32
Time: 1.40.02
